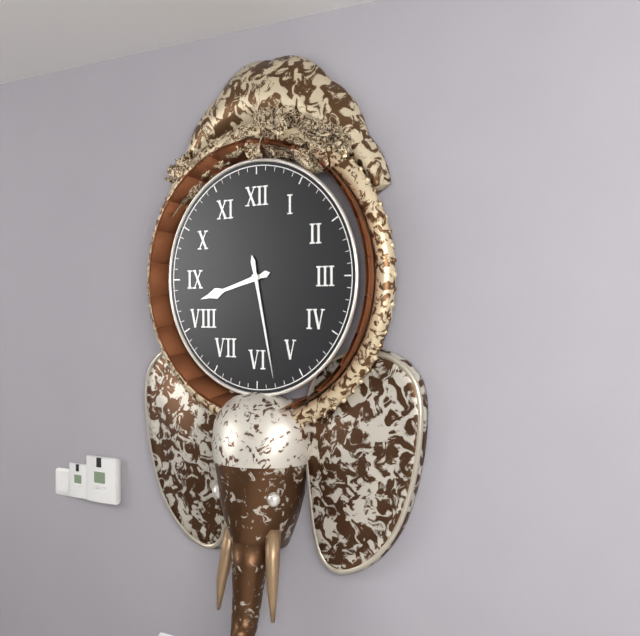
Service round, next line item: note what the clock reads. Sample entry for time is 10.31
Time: 8.28
